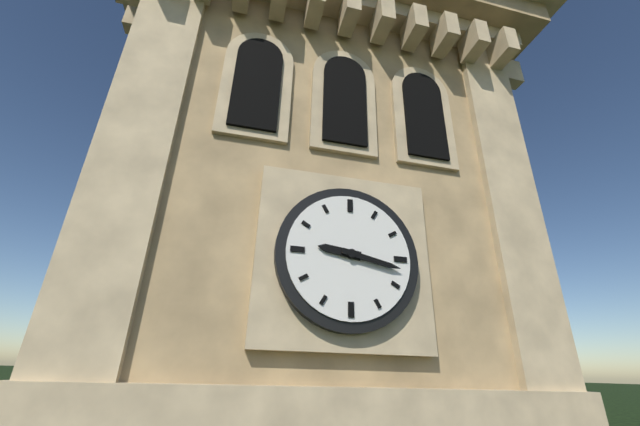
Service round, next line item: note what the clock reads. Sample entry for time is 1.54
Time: 9.17
